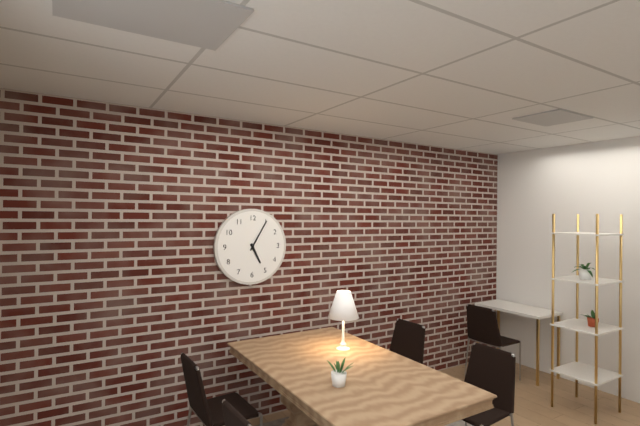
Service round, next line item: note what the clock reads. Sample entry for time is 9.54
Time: 5.05
